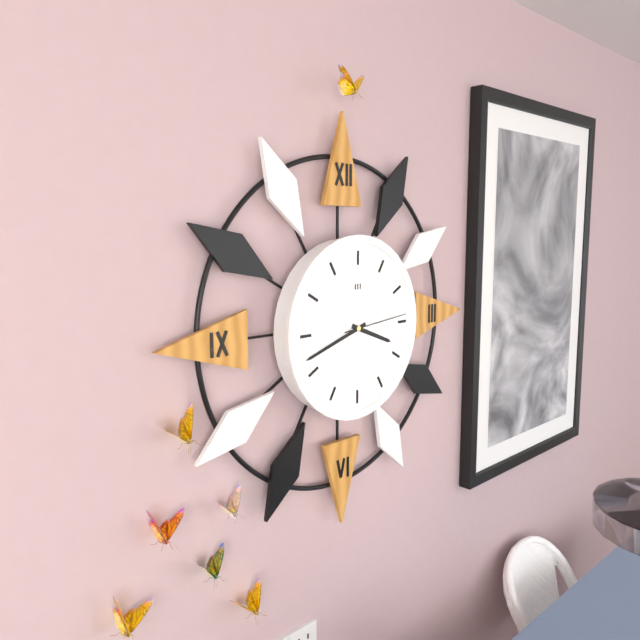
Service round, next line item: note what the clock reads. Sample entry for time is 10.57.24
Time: 3.42.14
